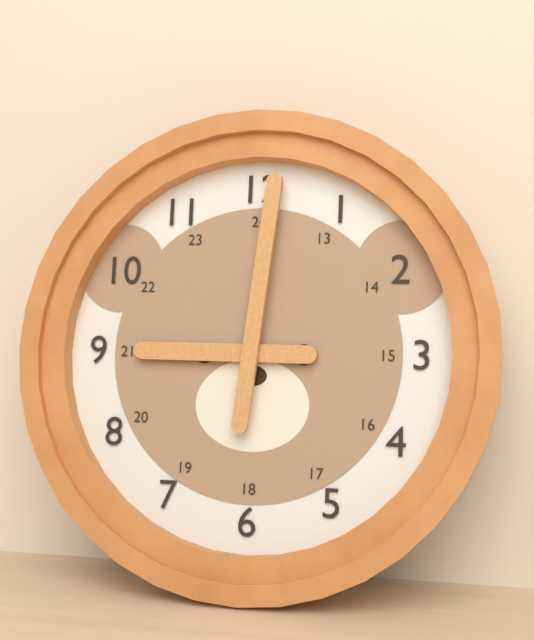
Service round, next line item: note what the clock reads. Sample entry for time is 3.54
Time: 9.01
